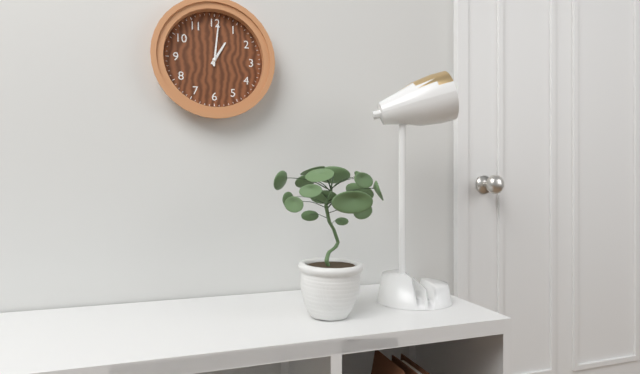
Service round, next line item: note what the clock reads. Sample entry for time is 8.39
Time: 1.01
